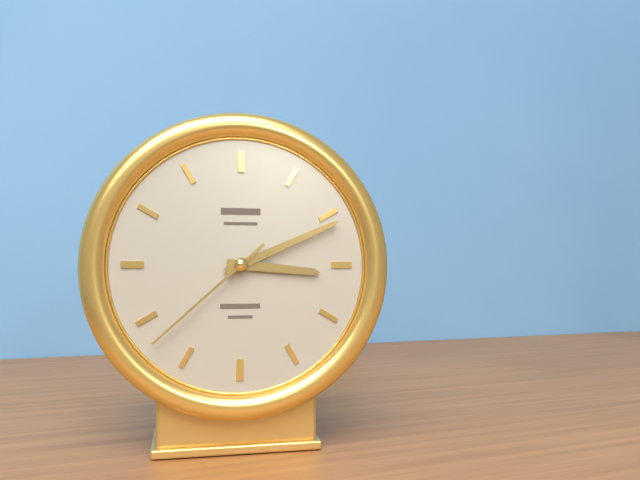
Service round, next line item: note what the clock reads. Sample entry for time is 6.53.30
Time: 3.11.38
